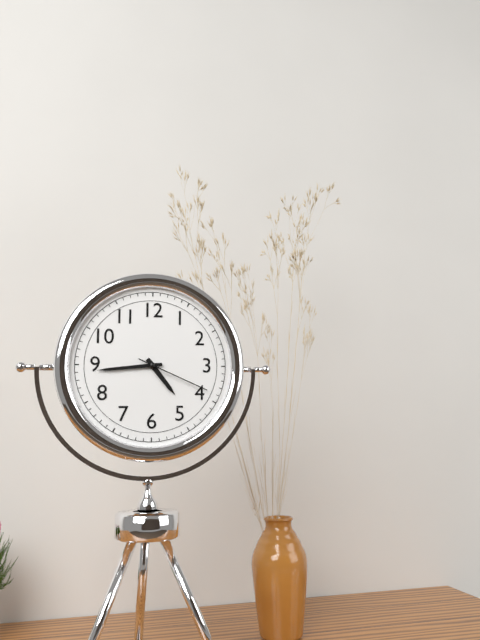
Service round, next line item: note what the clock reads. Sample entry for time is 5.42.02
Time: 4.44.19
